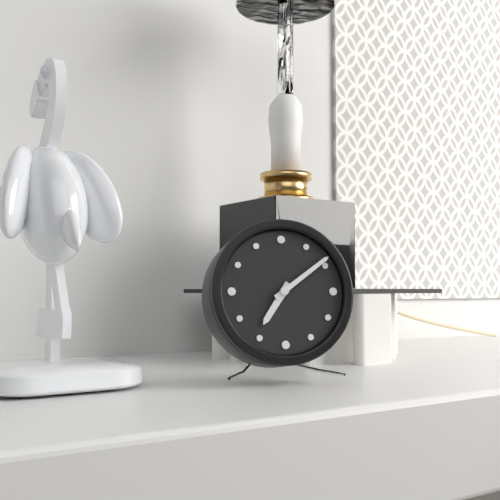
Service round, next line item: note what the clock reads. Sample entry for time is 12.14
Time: 7.09
